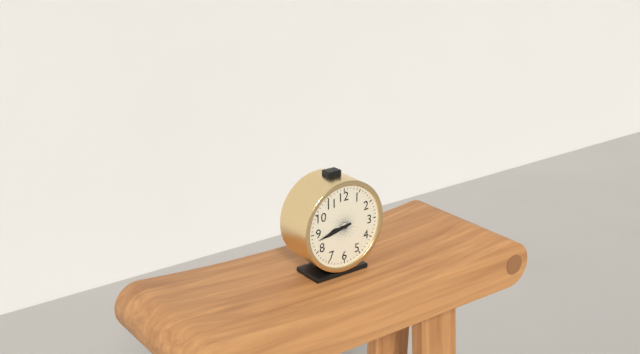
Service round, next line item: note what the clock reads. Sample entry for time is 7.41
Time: 8.43
